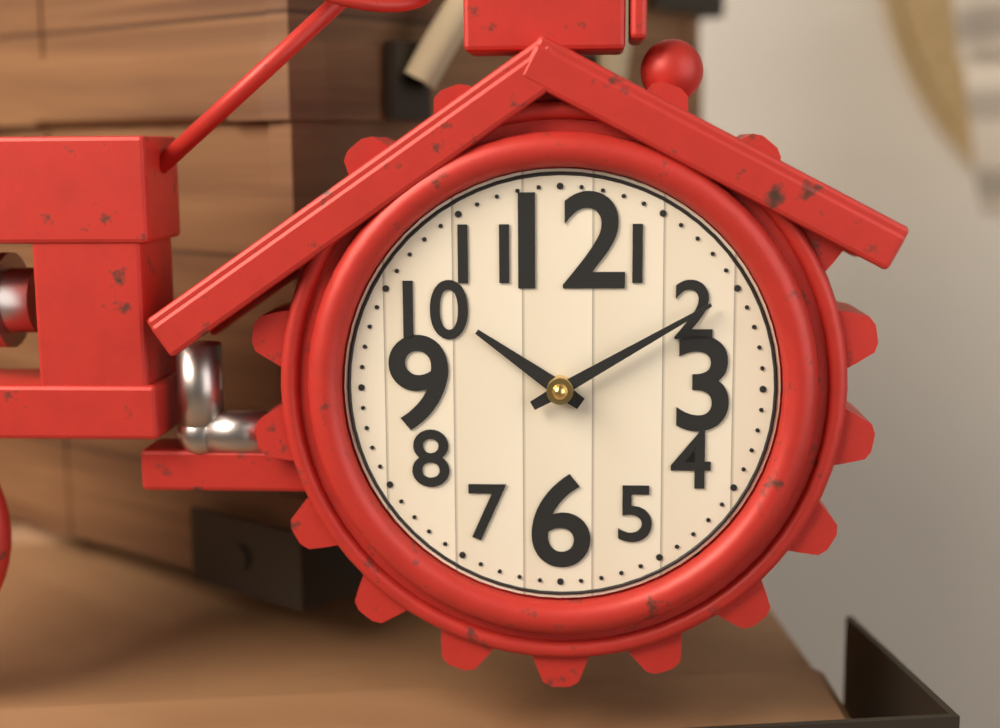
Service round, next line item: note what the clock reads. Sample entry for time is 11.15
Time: 10.10
